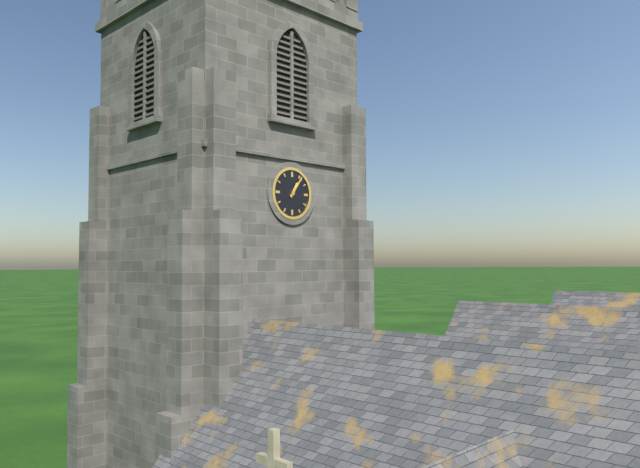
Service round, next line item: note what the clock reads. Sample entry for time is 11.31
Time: 1.06
